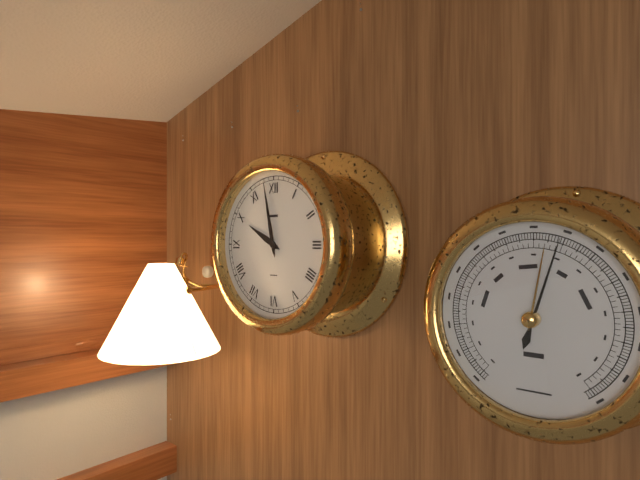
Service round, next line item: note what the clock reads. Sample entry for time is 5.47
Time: 9.58
